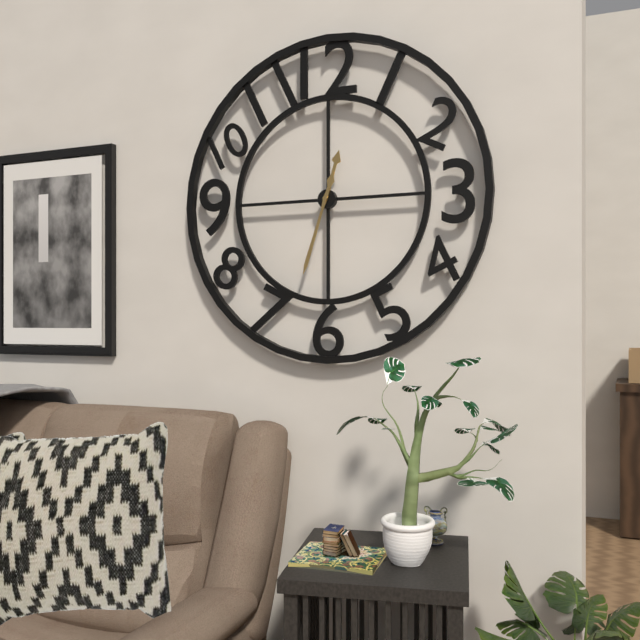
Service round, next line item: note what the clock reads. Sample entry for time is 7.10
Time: 12.33
